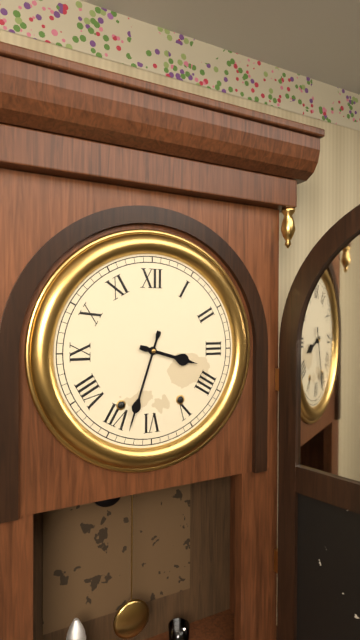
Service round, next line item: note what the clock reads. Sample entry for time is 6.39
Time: 3.33
